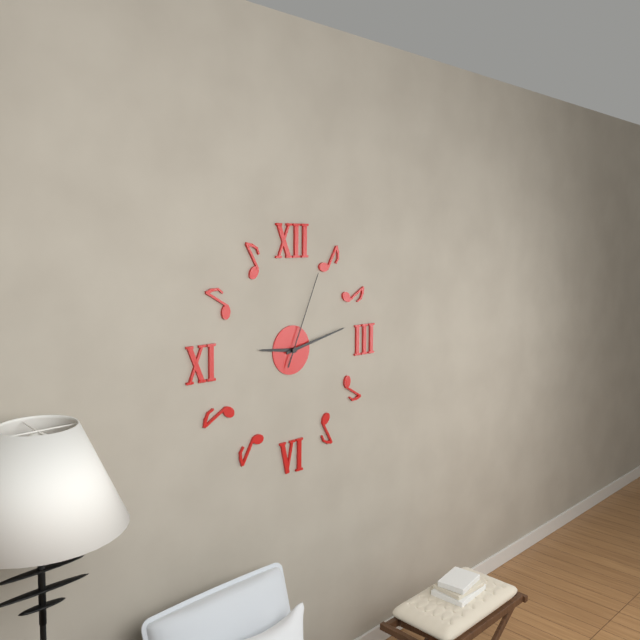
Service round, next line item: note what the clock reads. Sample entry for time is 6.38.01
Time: 9.13.04
